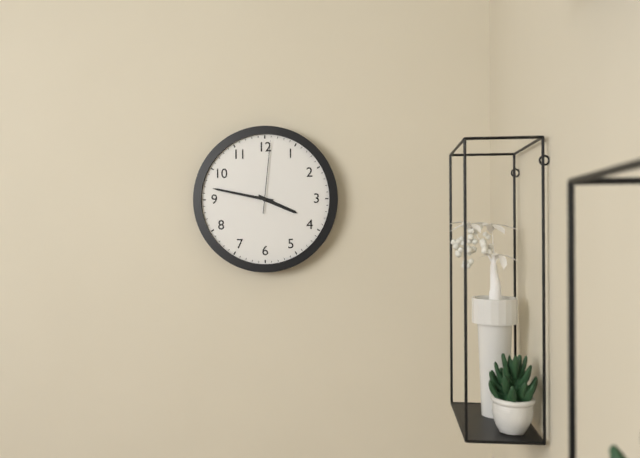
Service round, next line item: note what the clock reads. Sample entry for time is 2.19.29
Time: 3.47.01
